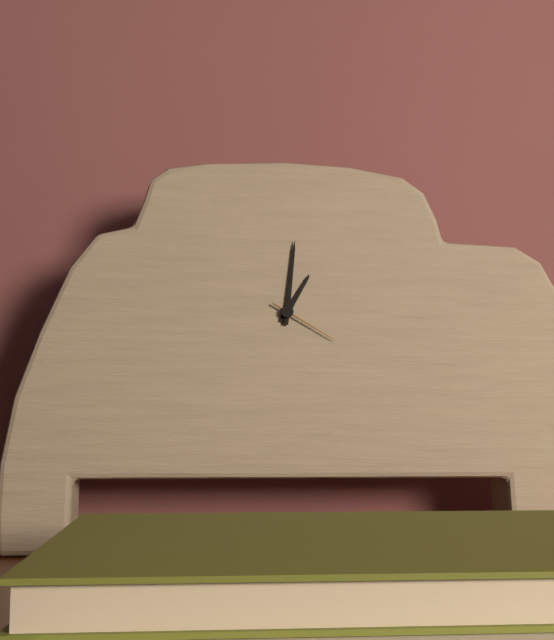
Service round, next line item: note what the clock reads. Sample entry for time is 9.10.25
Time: 1.01.20
